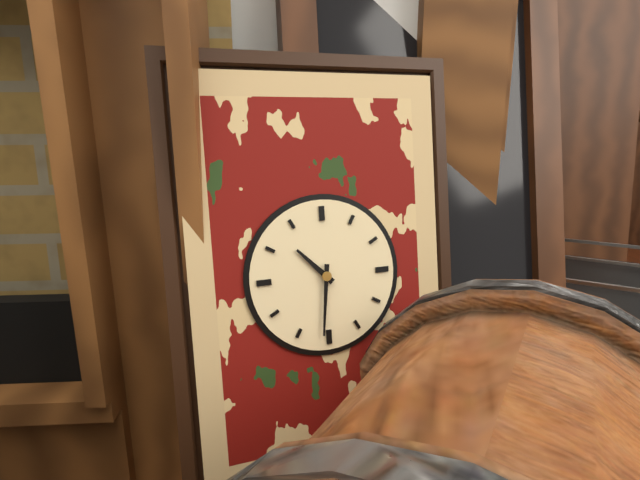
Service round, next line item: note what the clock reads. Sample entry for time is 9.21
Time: 10.31
